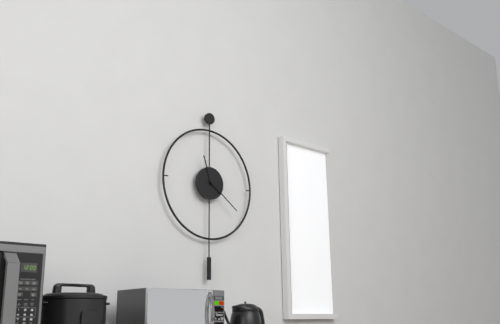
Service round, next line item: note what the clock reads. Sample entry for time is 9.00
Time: 11.21
